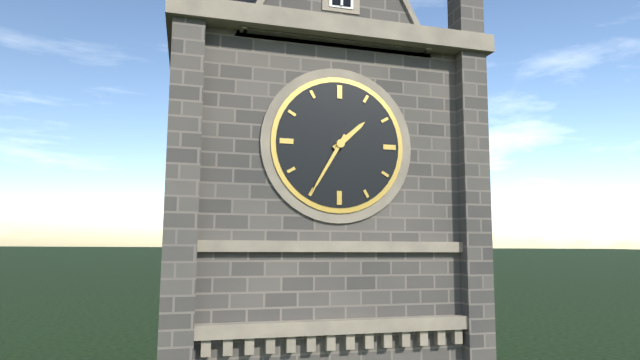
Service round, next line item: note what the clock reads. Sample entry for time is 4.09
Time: 1.35
